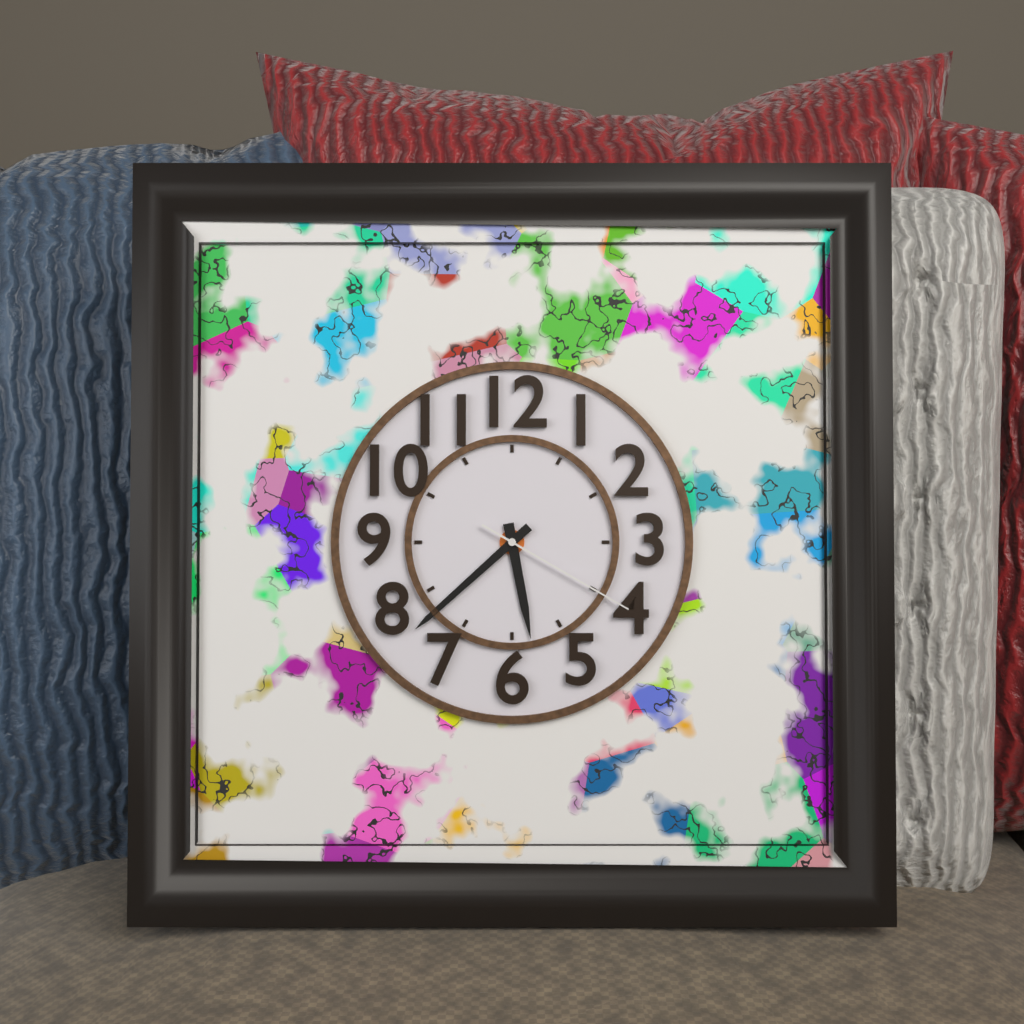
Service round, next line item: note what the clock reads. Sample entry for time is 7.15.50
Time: 5.38.20
